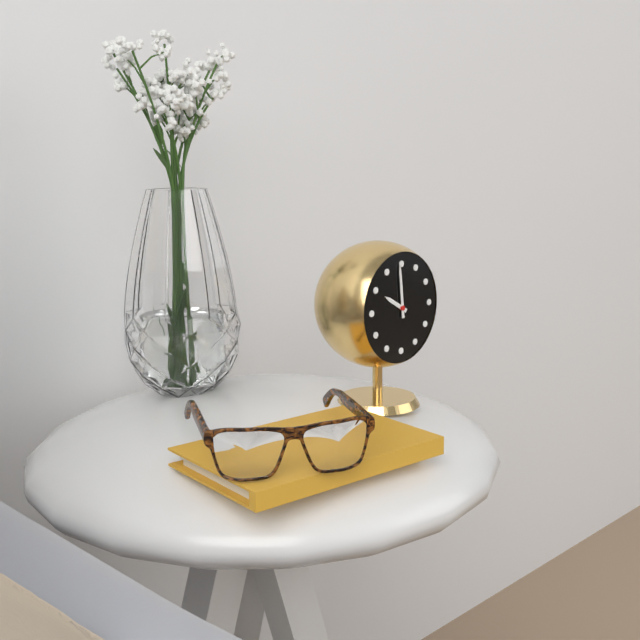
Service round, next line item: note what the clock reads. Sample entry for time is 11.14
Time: 9.59
